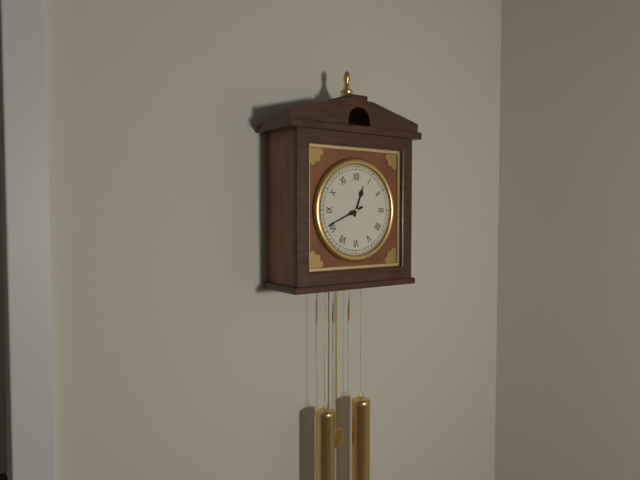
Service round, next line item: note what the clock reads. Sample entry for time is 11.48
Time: 12.41
